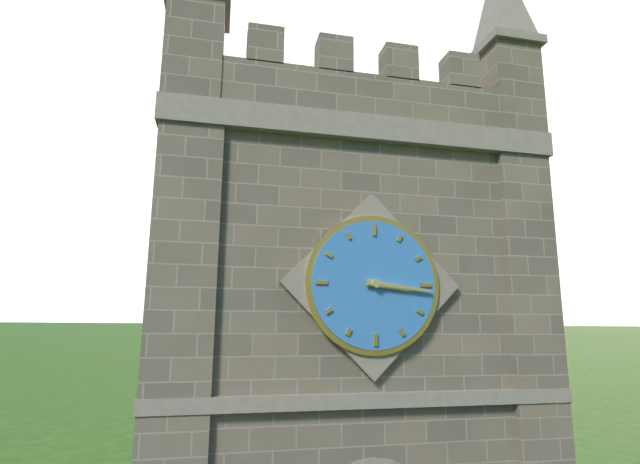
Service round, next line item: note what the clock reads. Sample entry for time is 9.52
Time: 3.16
